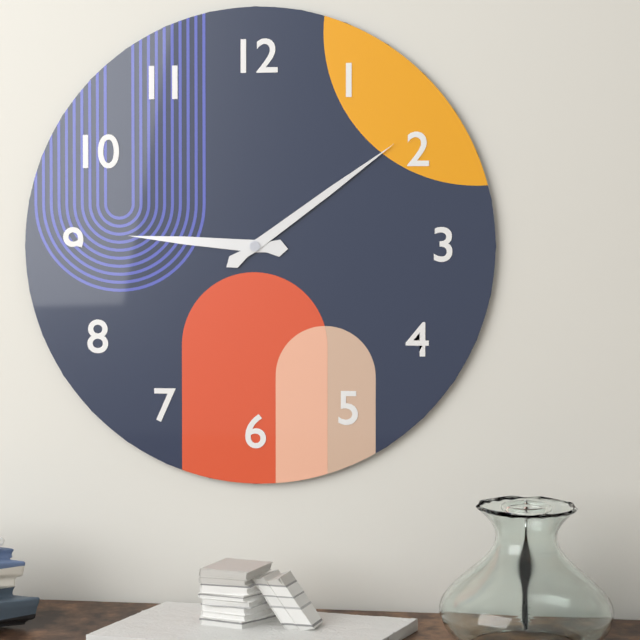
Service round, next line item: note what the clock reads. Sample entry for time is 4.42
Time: 9.09
